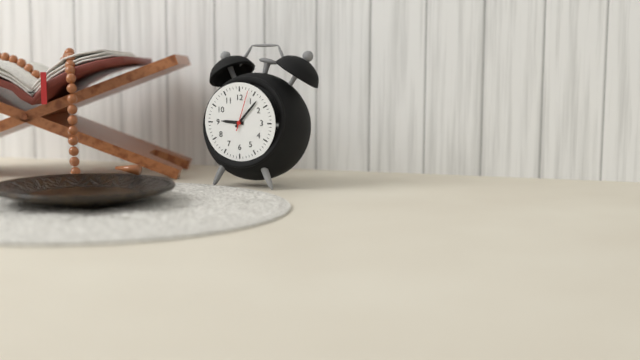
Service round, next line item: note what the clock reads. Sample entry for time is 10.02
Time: 9.07
